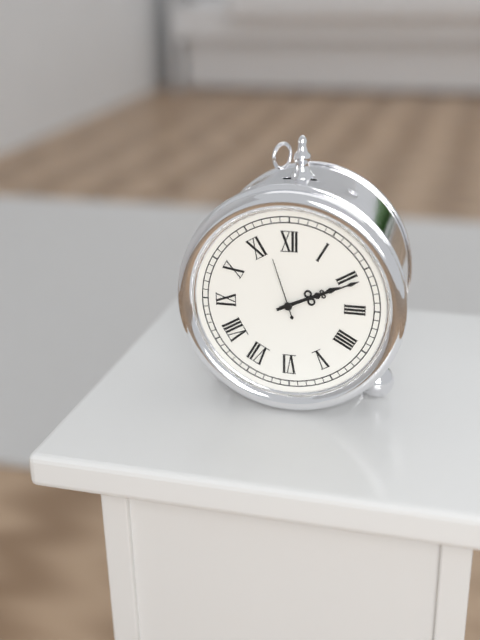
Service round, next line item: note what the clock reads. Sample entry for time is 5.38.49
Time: 2.11.57
